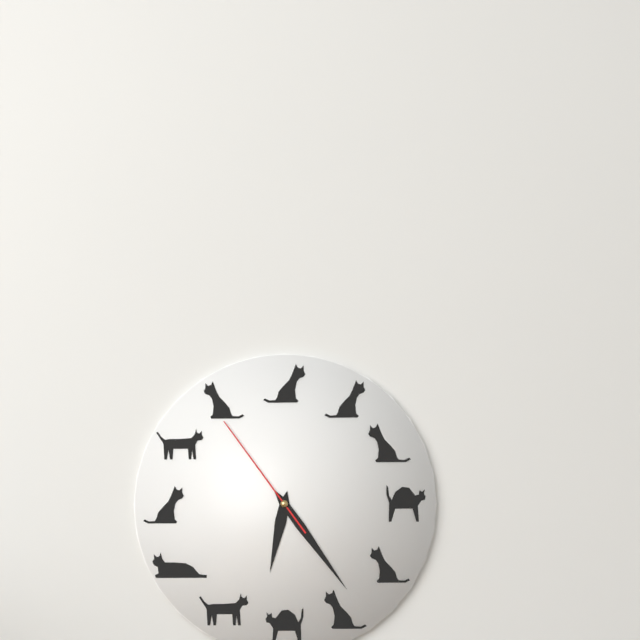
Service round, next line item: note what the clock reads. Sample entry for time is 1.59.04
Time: 6.24.54
